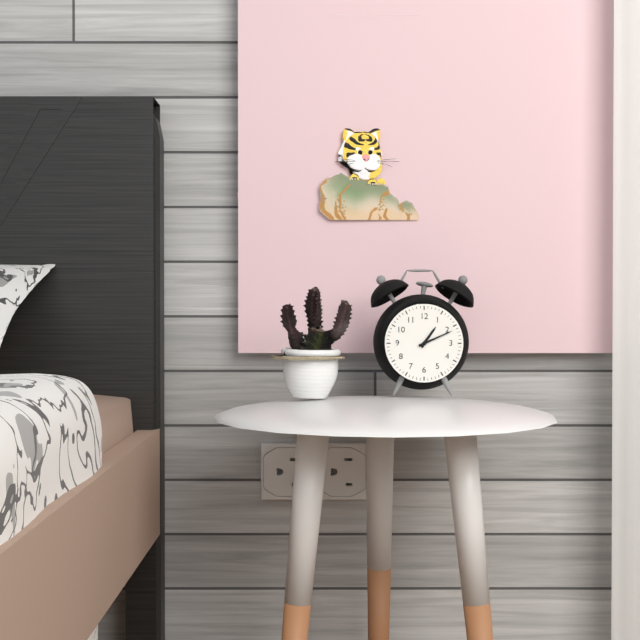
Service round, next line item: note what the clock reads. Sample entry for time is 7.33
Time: 1.11
